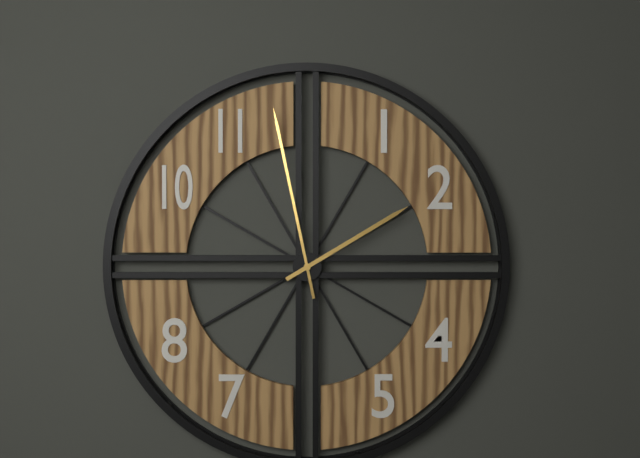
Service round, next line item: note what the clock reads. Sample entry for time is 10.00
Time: 1.58
